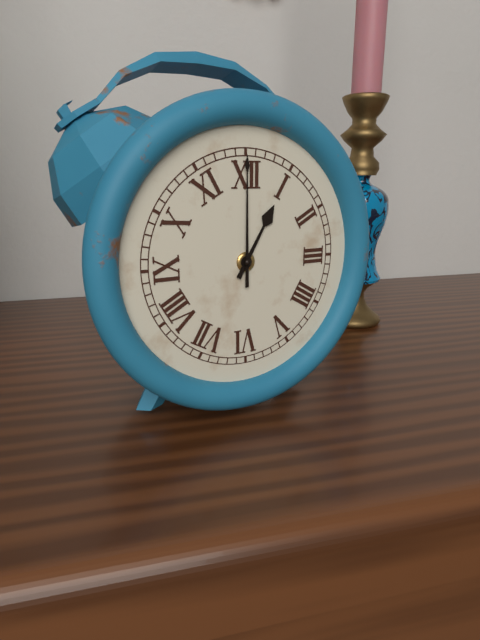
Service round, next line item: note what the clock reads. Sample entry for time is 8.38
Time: 1.00
